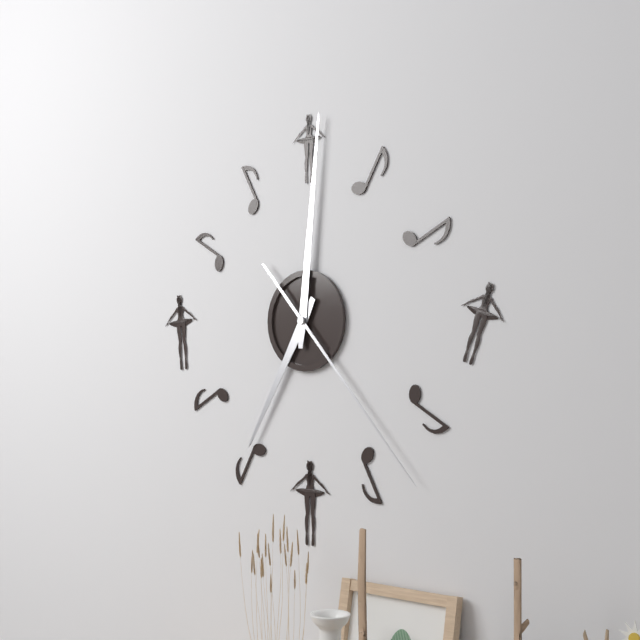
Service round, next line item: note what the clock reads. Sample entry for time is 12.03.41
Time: 7.01.23
